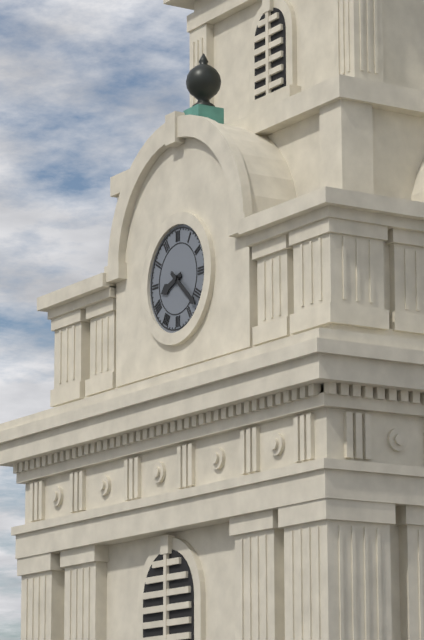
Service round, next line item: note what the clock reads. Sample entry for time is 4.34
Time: 8.22
